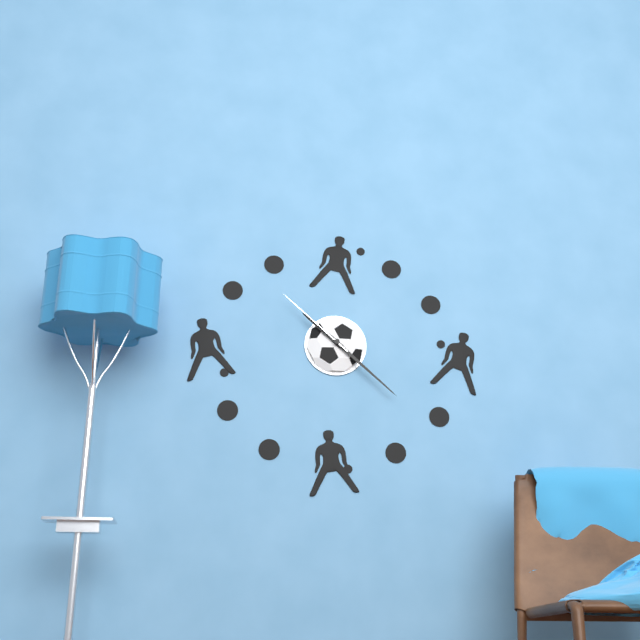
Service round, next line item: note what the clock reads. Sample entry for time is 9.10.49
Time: 10.22.52
